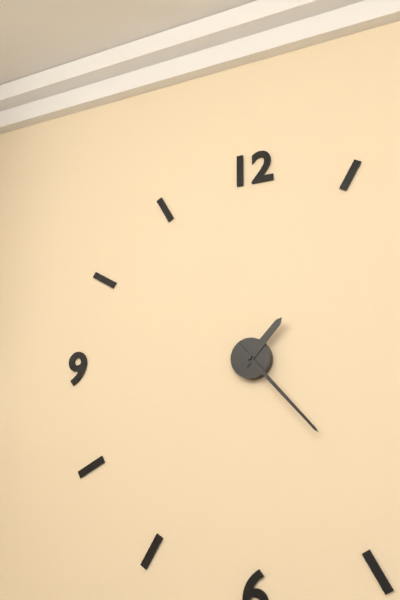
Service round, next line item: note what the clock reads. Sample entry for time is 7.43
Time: 1.23
